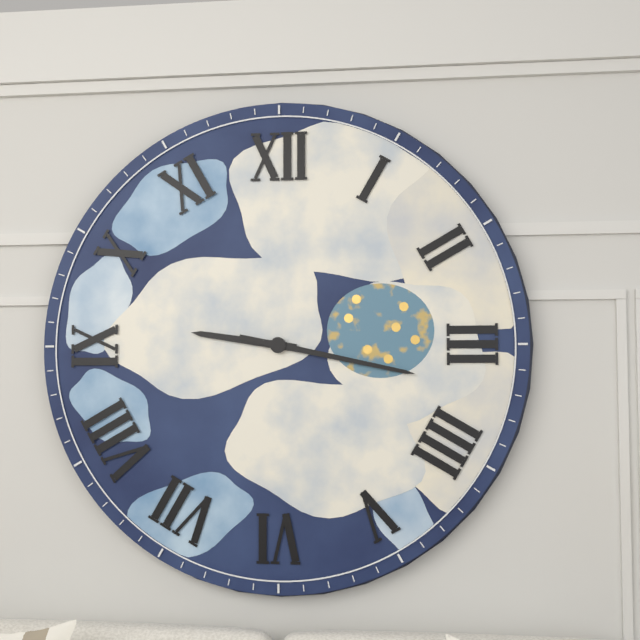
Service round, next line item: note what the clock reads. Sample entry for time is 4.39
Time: 9.17
